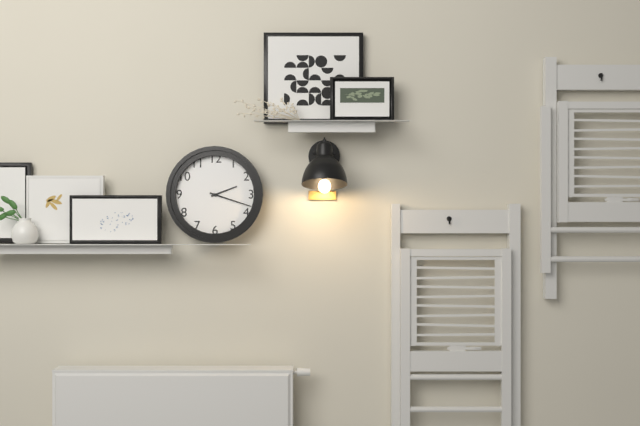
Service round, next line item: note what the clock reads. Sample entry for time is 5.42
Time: 2.18
